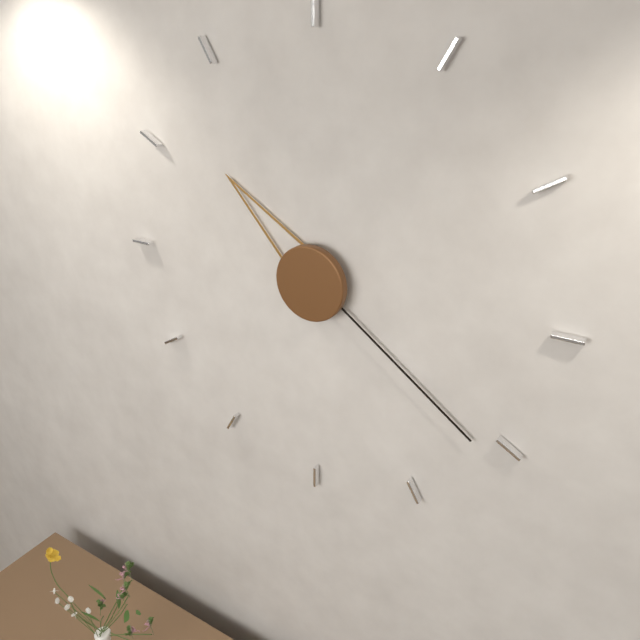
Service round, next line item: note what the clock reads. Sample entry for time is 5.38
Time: 10.21
